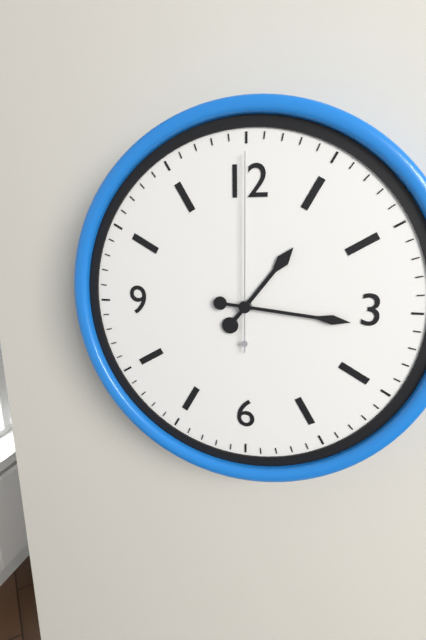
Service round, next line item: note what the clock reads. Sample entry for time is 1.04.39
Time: 1.16.00
